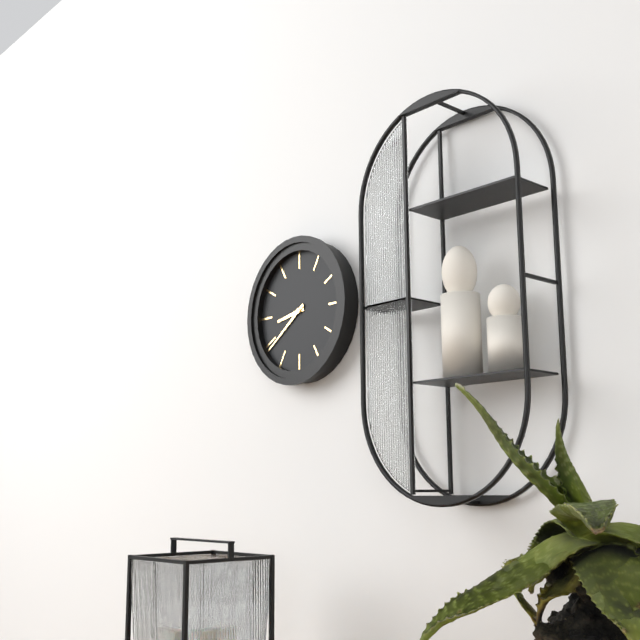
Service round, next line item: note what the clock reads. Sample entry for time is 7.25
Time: 8.39
